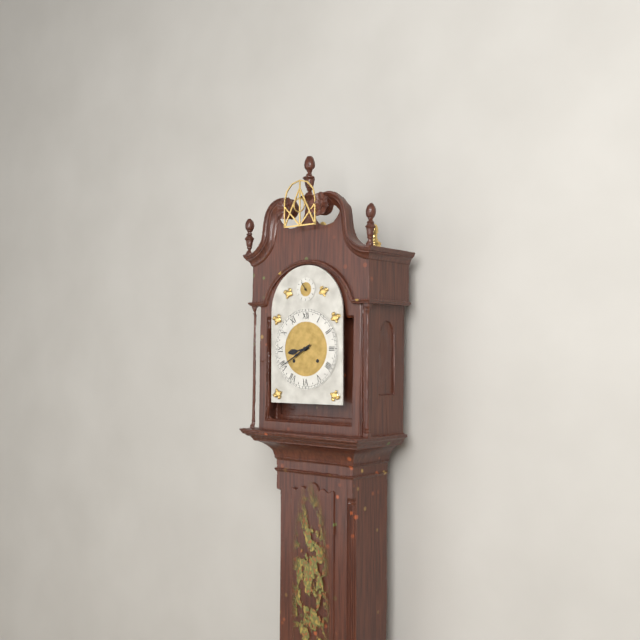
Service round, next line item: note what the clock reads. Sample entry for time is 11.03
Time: 8.40
